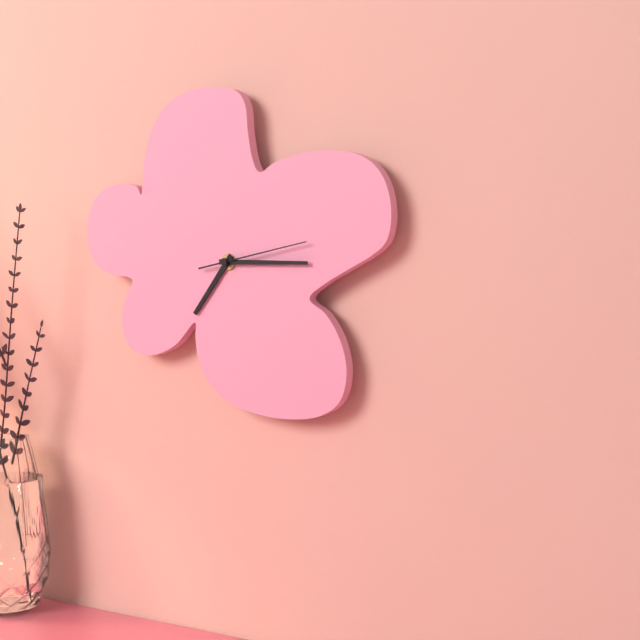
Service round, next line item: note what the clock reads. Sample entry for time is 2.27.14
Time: 7.15.13
